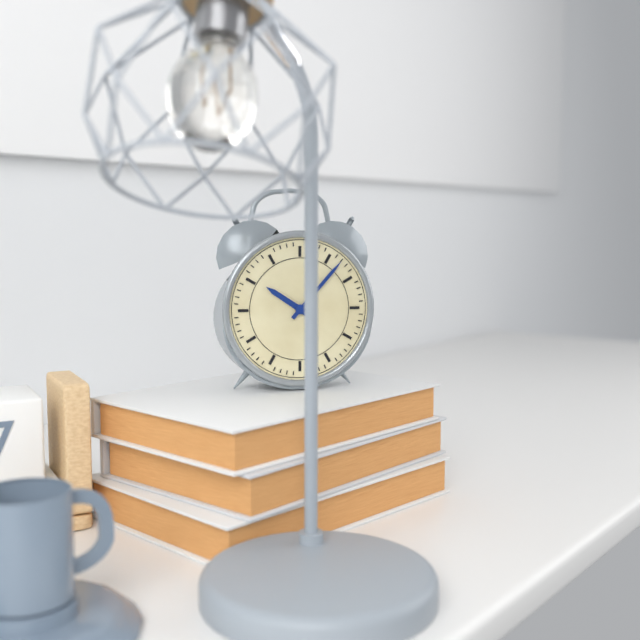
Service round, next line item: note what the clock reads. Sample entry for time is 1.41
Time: 10.07
